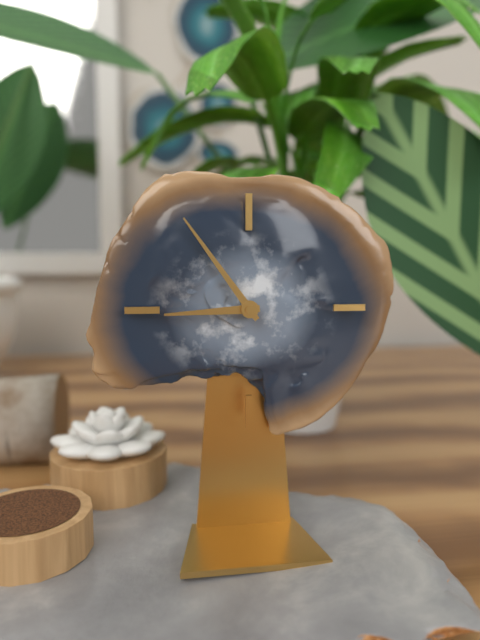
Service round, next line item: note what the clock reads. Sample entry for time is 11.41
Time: 8.54
